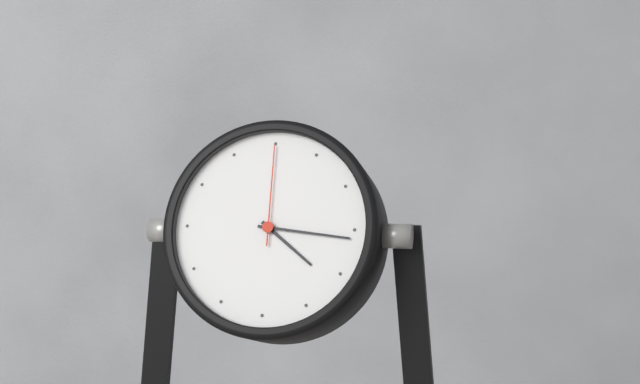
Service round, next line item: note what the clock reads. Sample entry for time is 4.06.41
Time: 4.16.00
